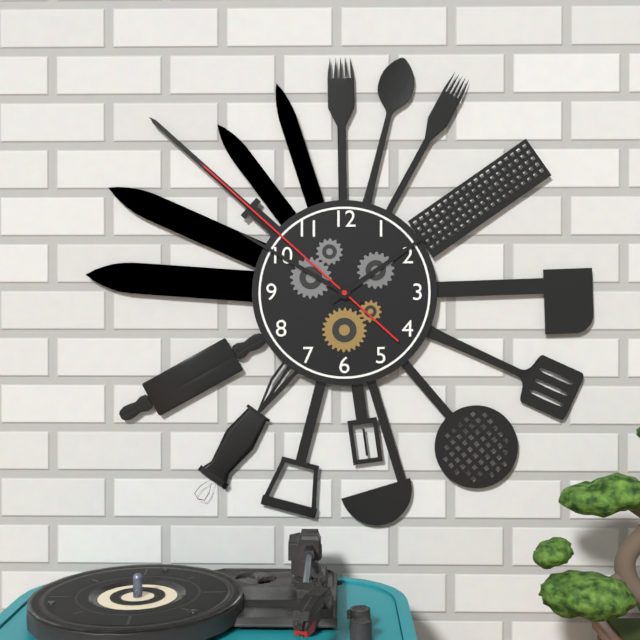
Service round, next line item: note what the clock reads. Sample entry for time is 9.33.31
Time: 1.50.52
